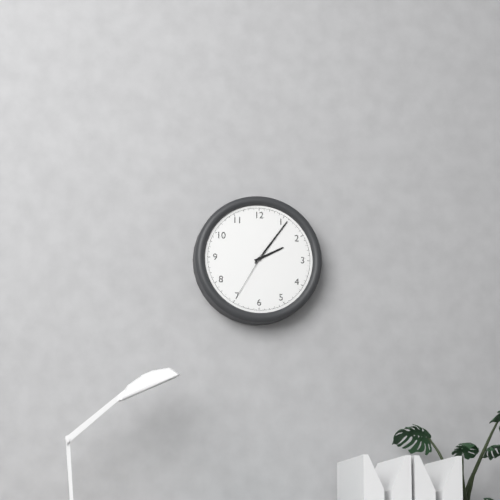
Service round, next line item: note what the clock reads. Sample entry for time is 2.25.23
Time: 2.06.35
